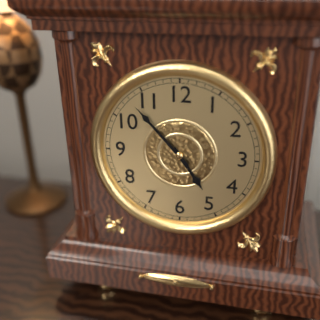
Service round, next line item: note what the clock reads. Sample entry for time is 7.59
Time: 4.53
